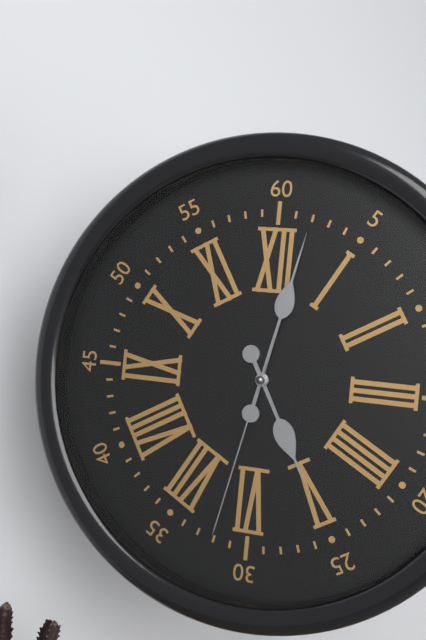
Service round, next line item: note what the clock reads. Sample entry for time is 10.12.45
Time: 5.02.32
